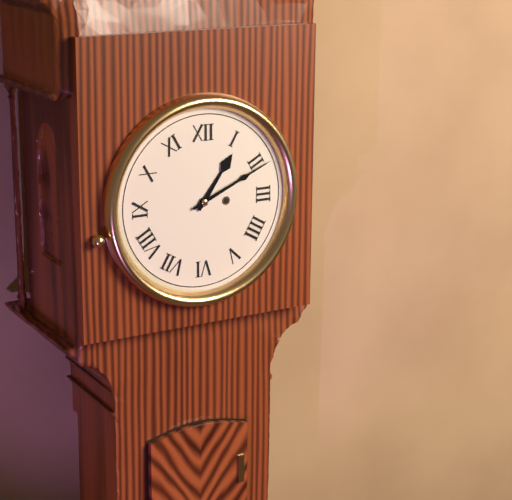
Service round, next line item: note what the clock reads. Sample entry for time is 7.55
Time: 1.11
